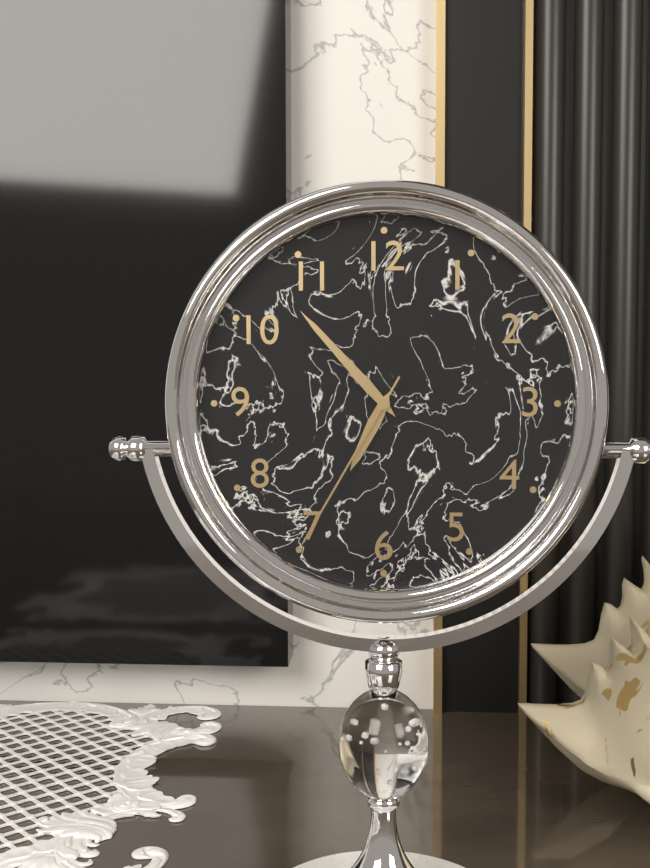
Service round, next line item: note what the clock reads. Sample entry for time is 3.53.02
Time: 6.53.35
